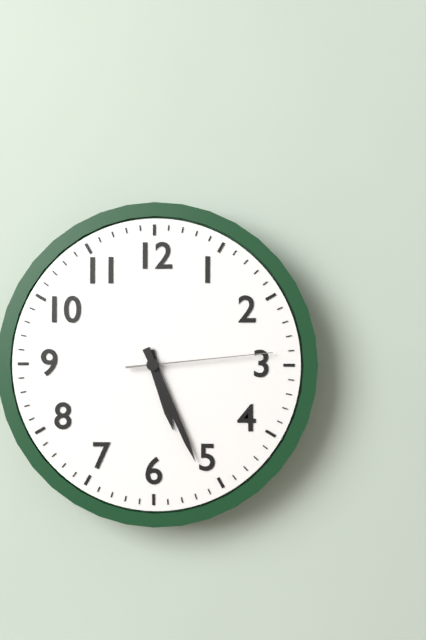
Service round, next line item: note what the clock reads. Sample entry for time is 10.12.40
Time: 5.26.14
